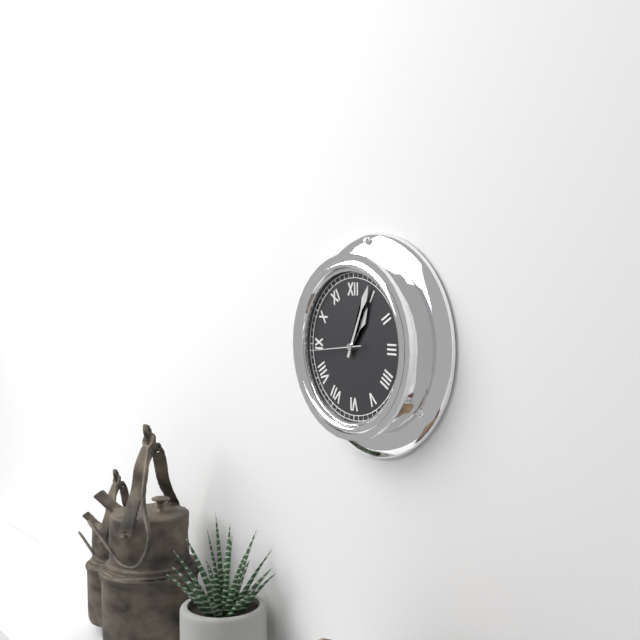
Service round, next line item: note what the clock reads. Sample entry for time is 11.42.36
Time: 1.04.44
